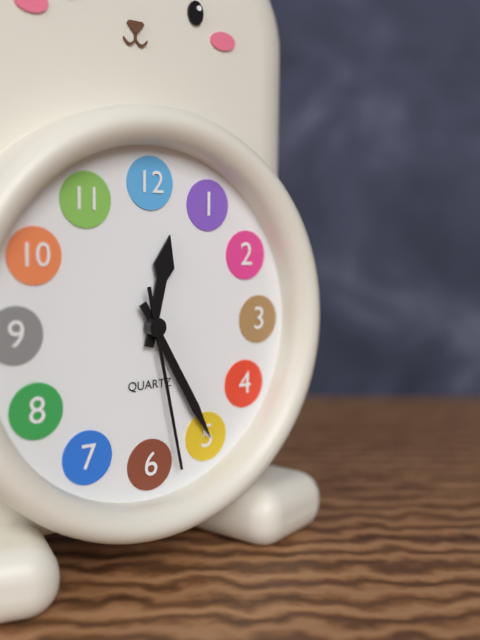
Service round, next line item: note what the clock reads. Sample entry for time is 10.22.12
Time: 12.25.28
